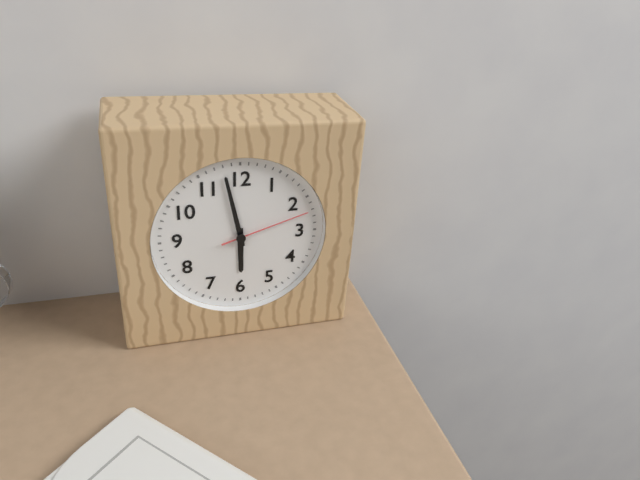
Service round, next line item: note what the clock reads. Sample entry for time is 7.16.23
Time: 5.58.12
